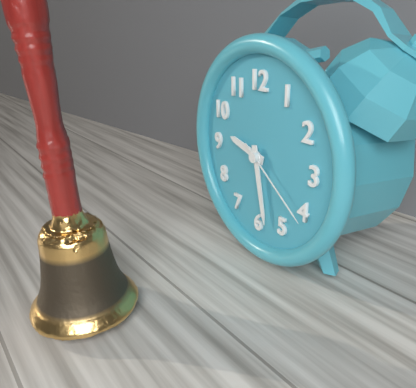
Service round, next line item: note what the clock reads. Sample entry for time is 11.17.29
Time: 9.28.21
